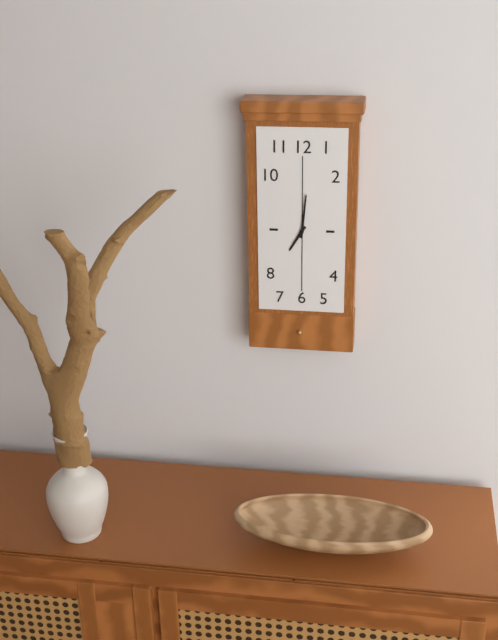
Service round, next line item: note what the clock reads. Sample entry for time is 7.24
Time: 7.01
